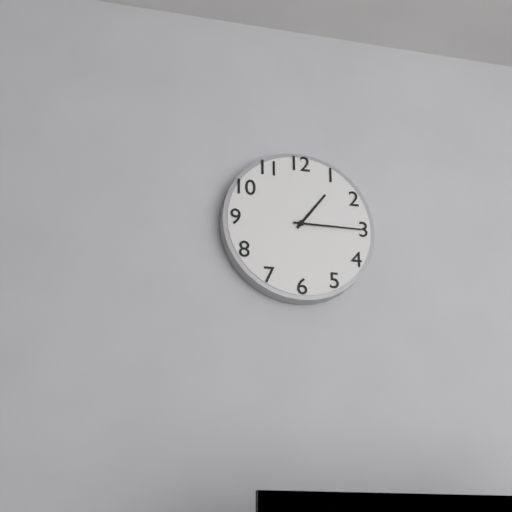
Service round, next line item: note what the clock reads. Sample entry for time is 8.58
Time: 1.15
